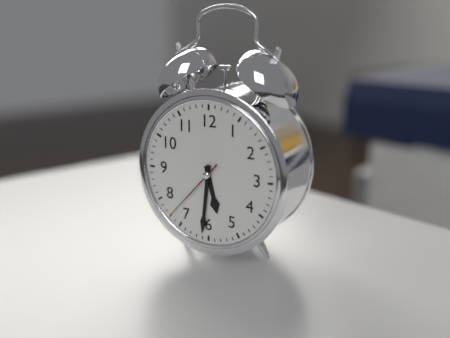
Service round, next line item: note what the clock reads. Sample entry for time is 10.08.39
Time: 5.31.37
